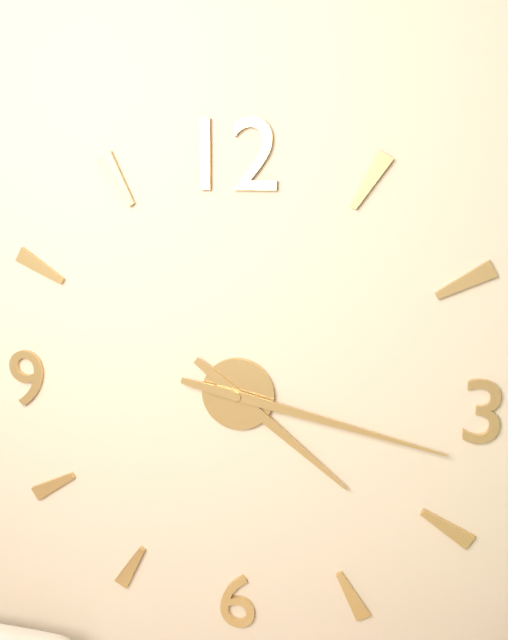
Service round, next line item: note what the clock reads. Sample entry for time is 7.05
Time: 4.17
